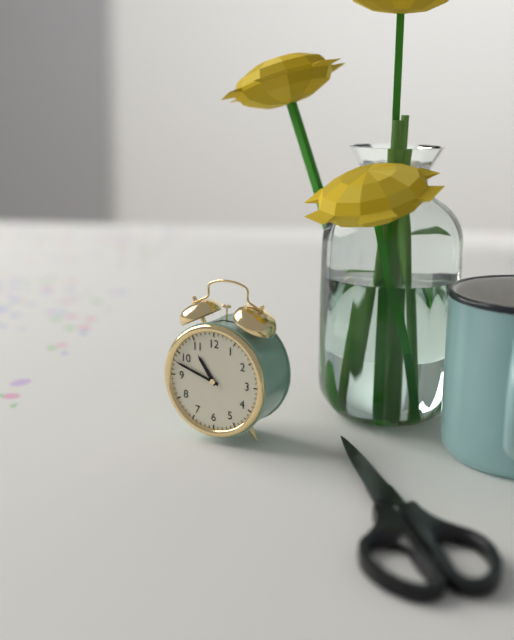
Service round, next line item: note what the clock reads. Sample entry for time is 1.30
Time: 10.48
